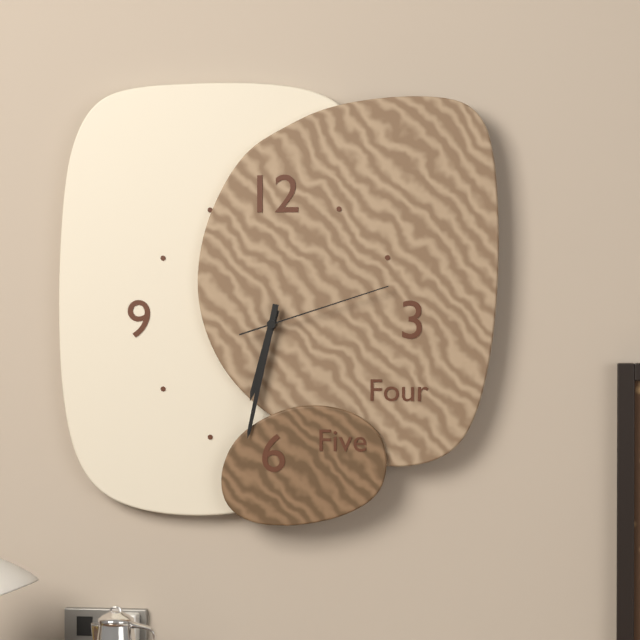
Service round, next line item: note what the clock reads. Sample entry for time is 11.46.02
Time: 6.32.12
